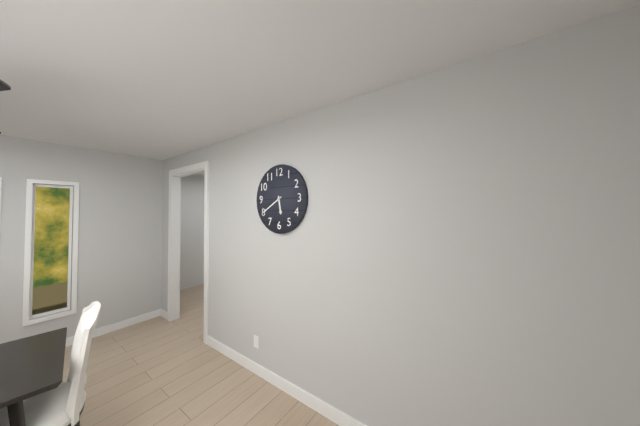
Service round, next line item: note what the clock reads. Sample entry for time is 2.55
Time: 5.40
